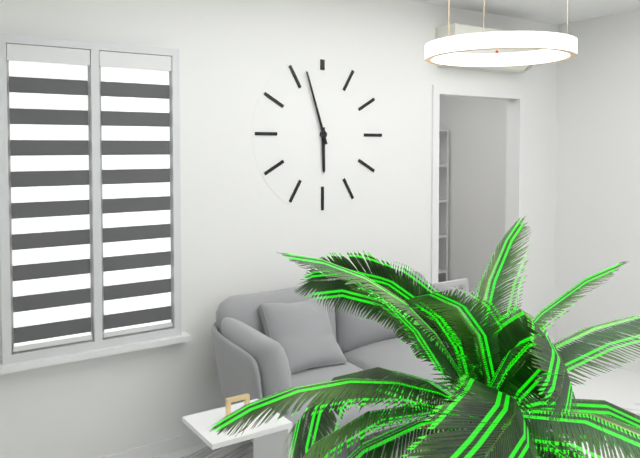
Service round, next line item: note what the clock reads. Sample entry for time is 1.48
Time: 5.57
